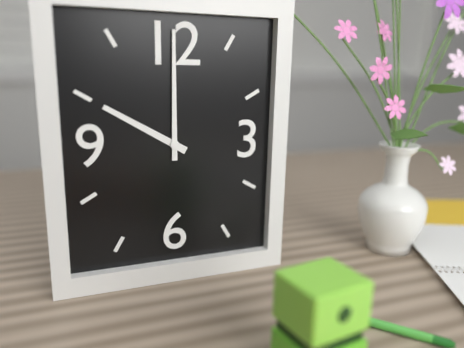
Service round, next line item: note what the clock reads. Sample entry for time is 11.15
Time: 10.00
